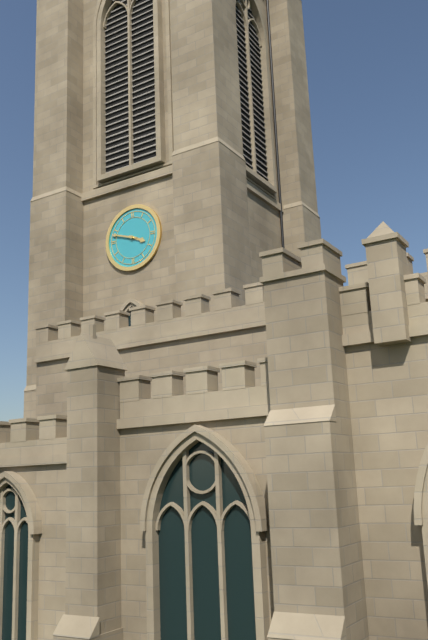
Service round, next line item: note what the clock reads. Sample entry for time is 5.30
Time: 3.48
